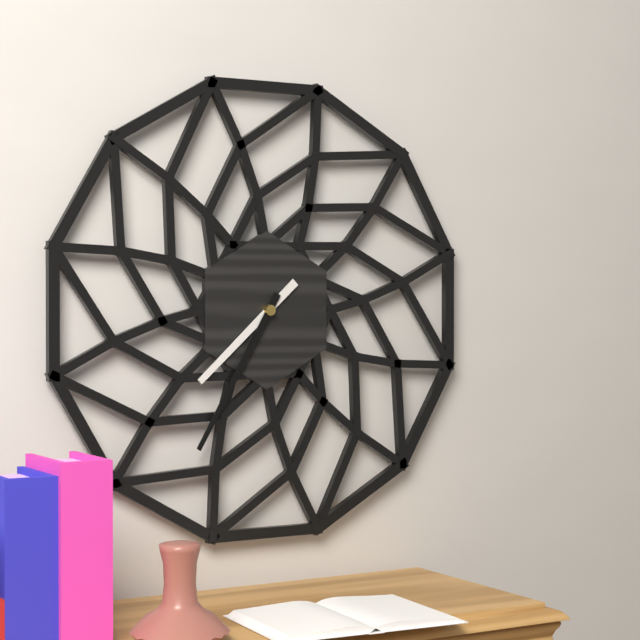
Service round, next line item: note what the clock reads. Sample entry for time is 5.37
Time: 7.35
